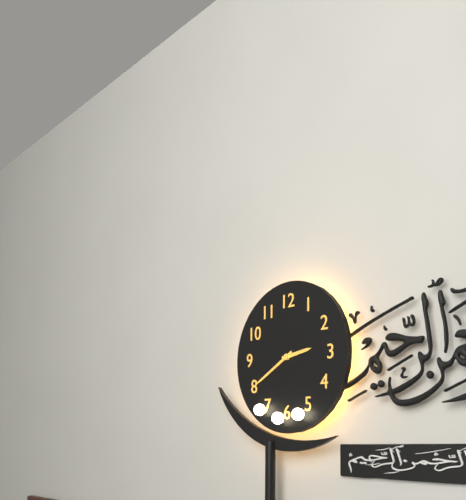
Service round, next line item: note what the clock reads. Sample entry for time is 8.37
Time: 2.40
